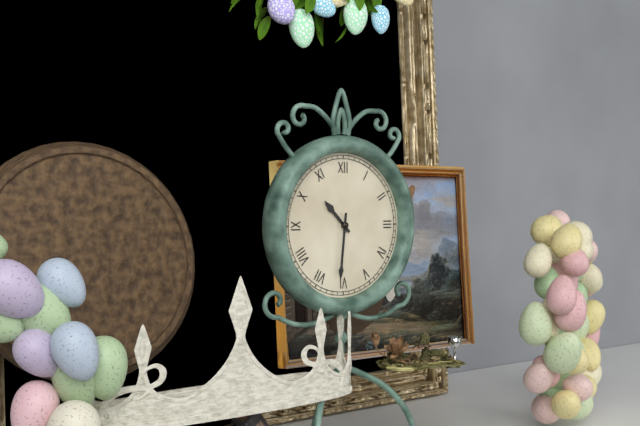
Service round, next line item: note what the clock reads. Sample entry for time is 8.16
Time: 10.31
